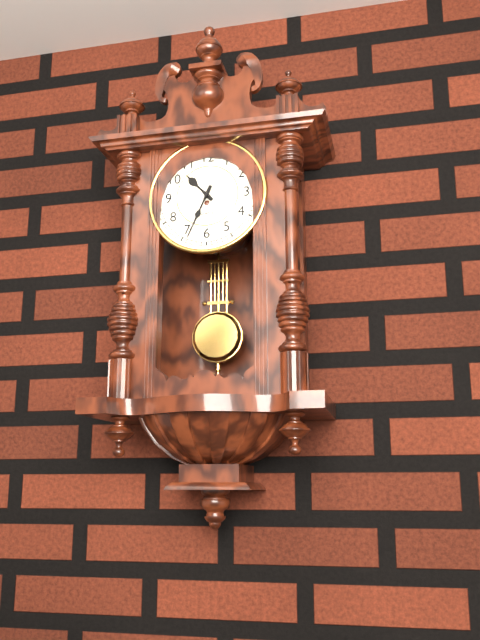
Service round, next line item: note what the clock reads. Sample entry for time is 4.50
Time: 10.34
